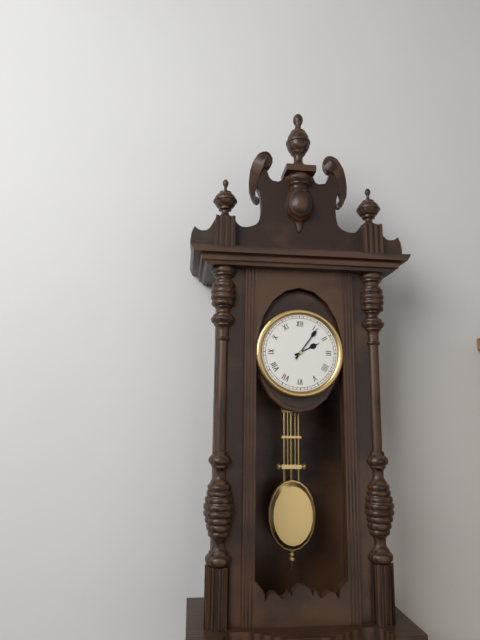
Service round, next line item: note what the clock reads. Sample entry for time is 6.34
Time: 2.06
